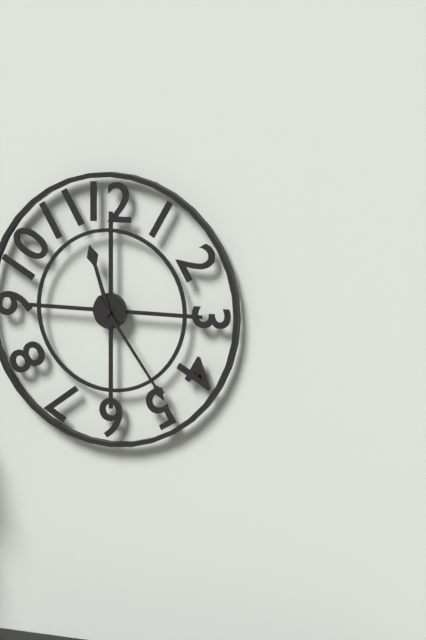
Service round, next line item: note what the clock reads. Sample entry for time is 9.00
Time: 11.24
